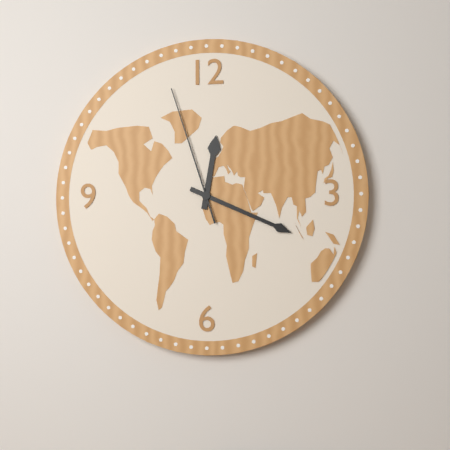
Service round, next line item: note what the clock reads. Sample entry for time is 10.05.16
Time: 12.19.57
